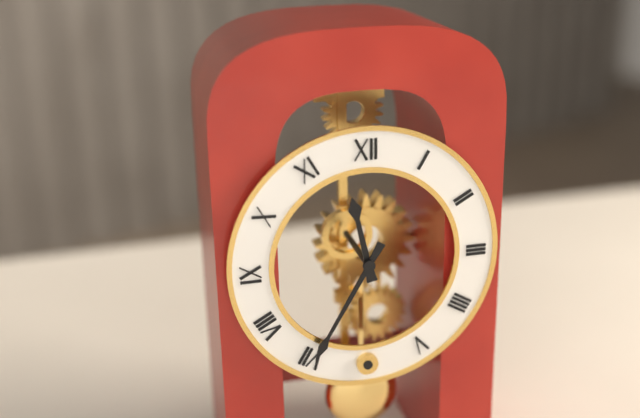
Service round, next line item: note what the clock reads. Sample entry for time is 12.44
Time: 11.35
